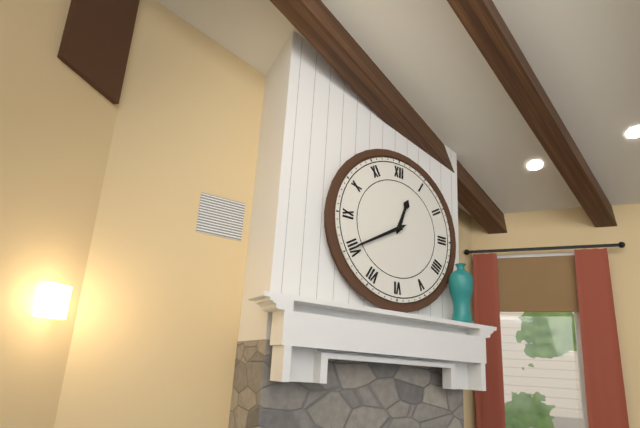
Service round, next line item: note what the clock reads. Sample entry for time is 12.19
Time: 12.40
